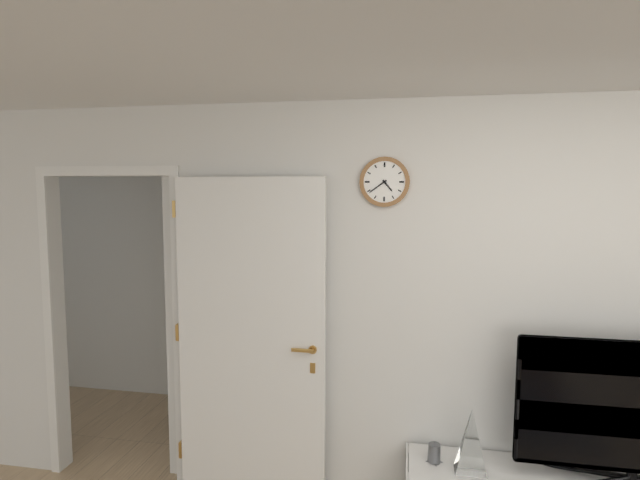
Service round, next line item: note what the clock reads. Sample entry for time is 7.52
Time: 4.39
